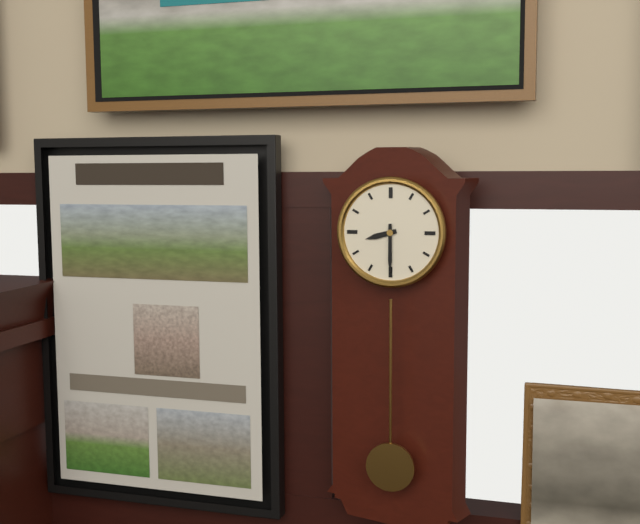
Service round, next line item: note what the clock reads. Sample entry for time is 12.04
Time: 8.30
